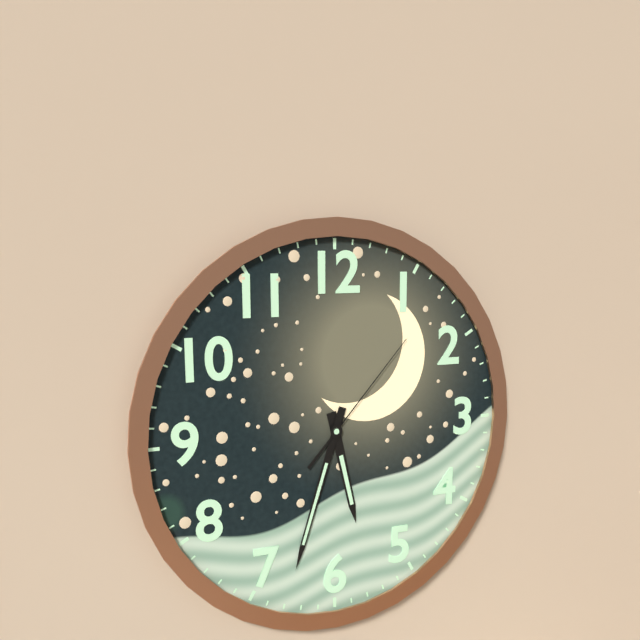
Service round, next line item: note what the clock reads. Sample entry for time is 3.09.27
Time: 5.33.07
